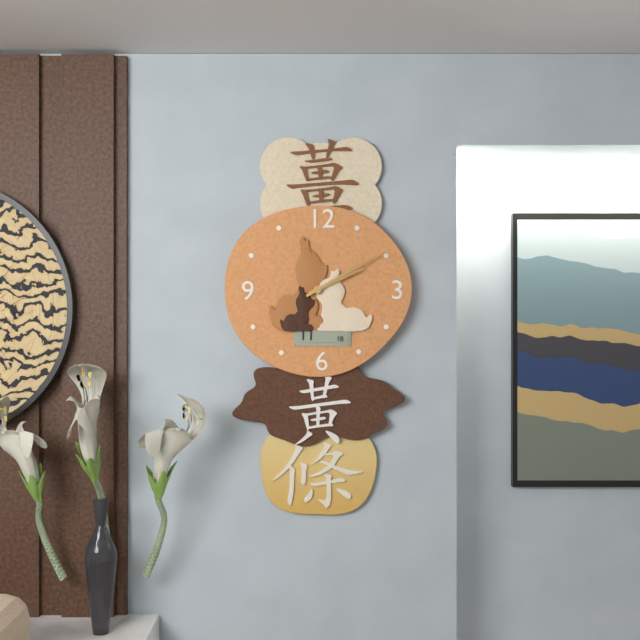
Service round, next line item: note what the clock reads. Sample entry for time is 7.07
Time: 2.10
